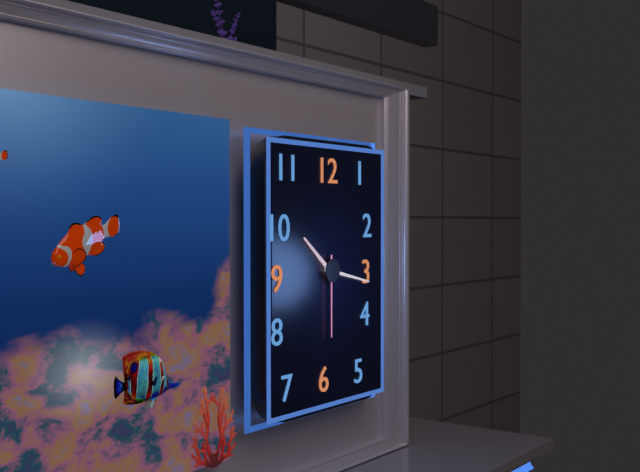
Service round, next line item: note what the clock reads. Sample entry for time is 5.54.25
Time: 10.17.30
